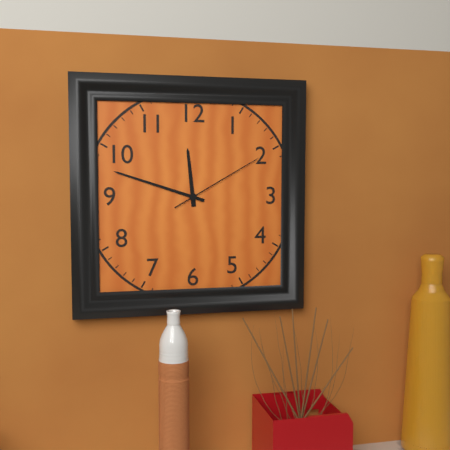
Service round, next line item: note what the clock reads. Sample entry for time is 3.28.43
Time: 11.48.10
